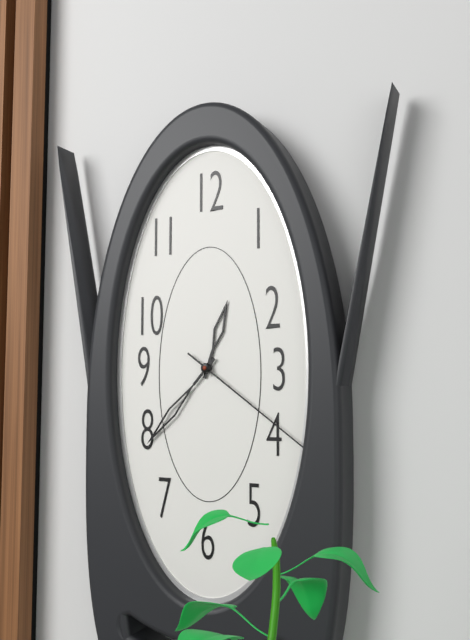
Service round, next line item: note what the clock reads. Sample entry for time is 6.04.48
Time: 12.37.21
